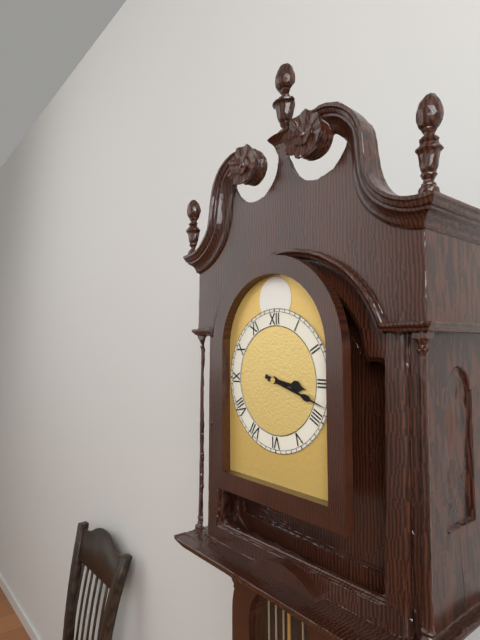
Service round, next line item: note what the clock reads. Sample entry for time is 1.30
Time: 3.18
